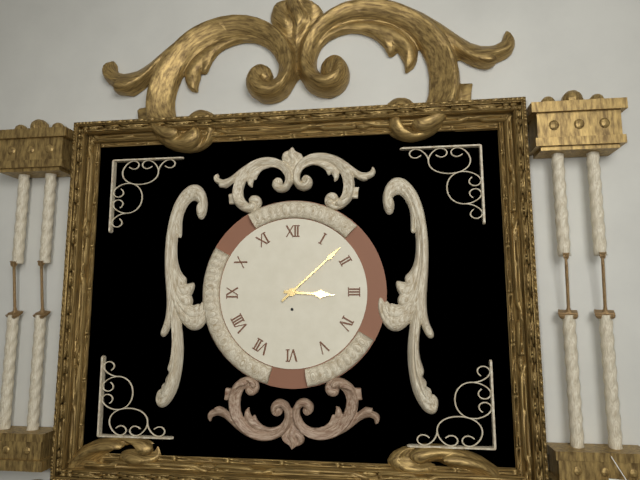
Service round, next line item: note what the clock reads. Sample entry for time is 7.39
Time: 3.08
